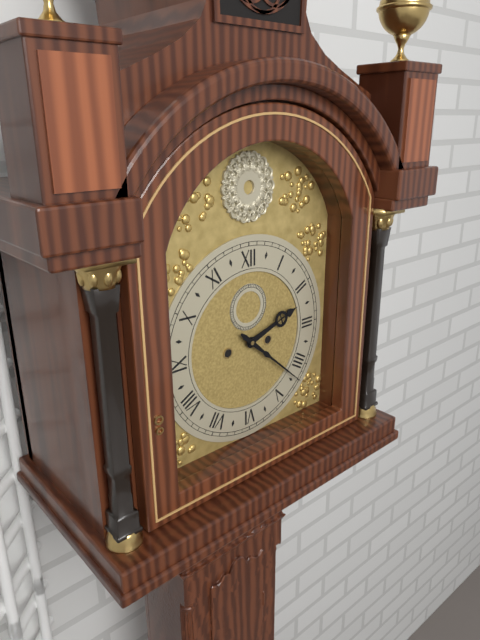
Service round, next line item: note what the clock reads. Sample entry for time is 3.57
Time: 2.22
